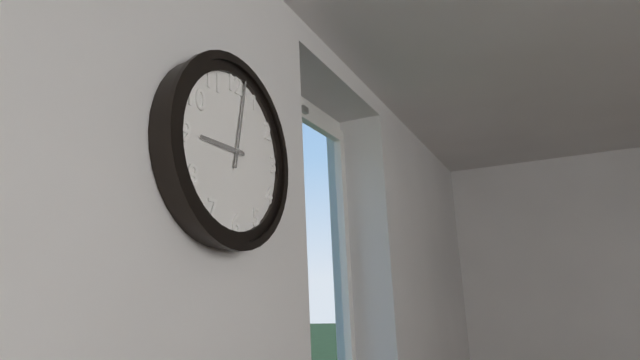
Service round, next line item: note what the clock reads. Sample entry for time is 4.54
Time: 9.02
